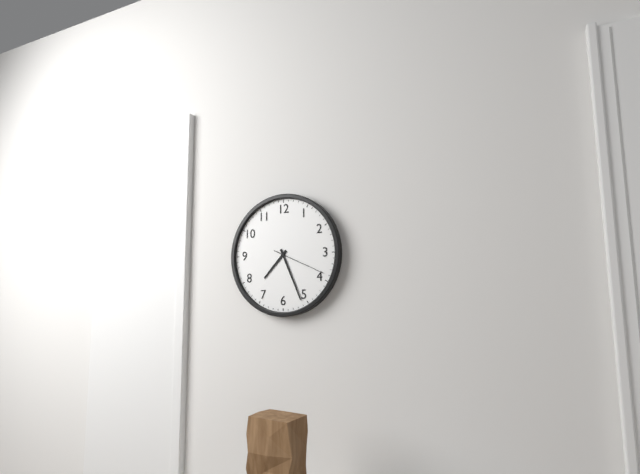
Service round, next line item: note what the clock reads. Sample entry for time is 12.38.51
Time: 7.26.19
